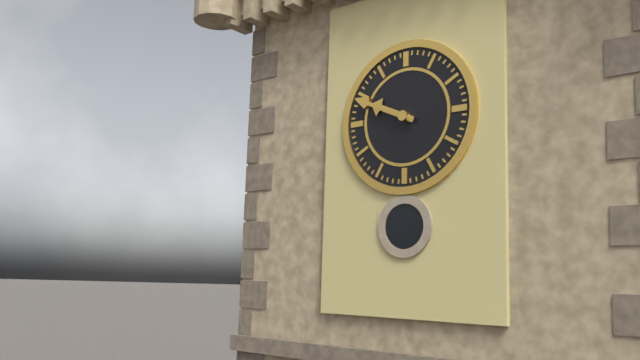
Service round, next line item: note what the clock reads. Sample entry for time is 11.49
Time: 9.49
